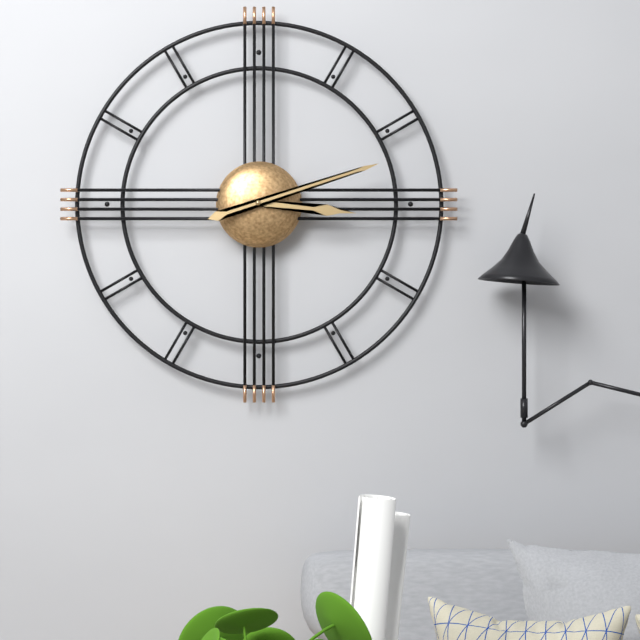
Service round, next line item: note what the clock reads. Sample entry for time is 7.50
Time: 3.12
